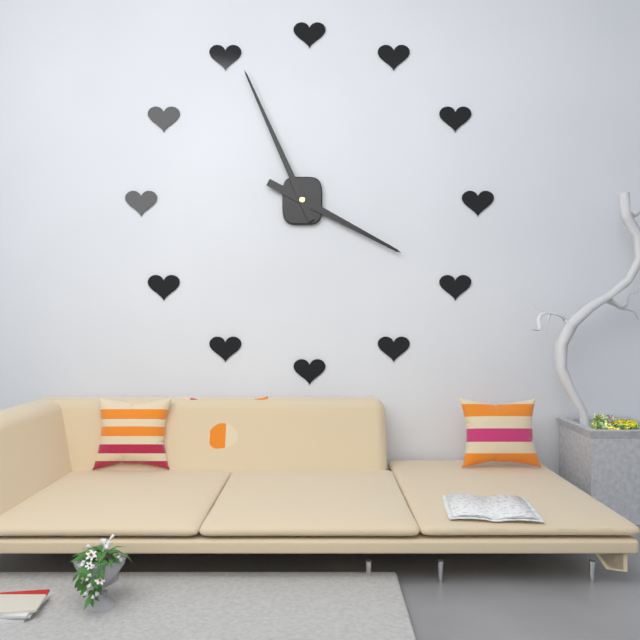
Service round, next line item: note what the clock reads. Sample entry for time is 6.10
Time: 3.56
